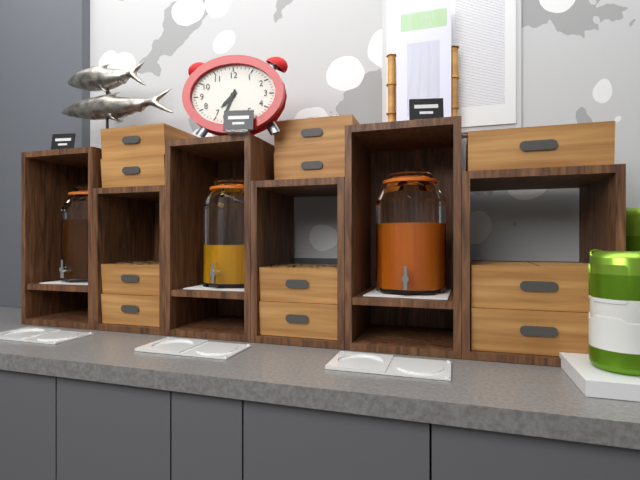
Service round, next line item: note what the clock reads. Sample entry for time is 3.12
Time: 7.34
